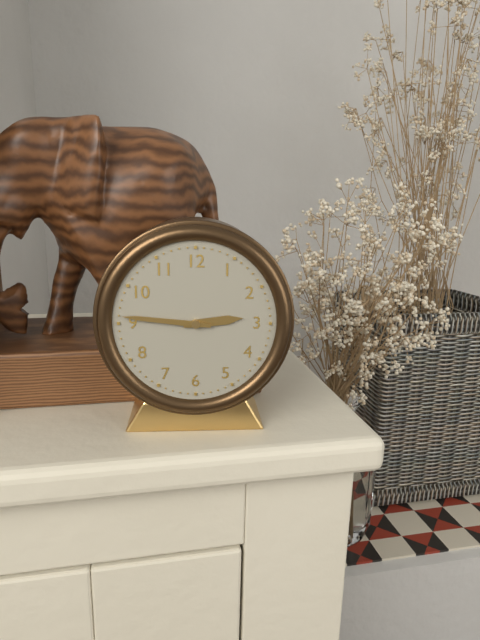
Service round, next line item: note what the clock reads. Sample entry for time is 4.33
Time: 2.46
